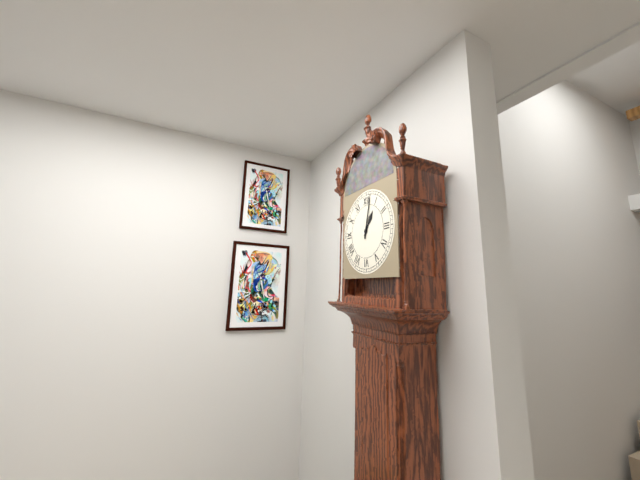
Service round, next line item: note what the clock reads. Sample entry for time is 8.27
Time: 1.02
